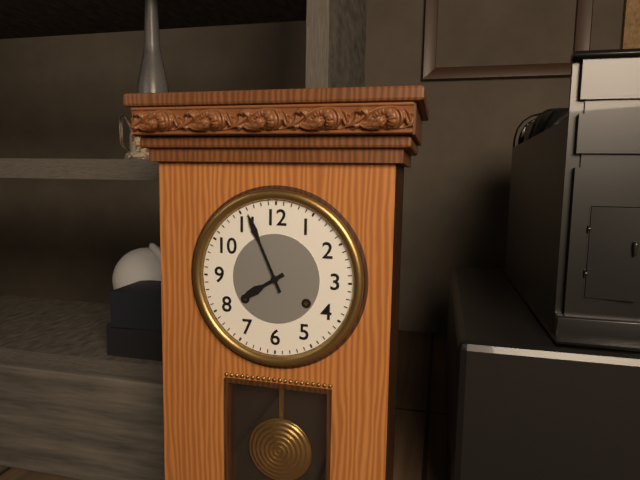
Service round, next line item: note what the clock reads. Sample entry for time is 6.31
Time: 7.56
